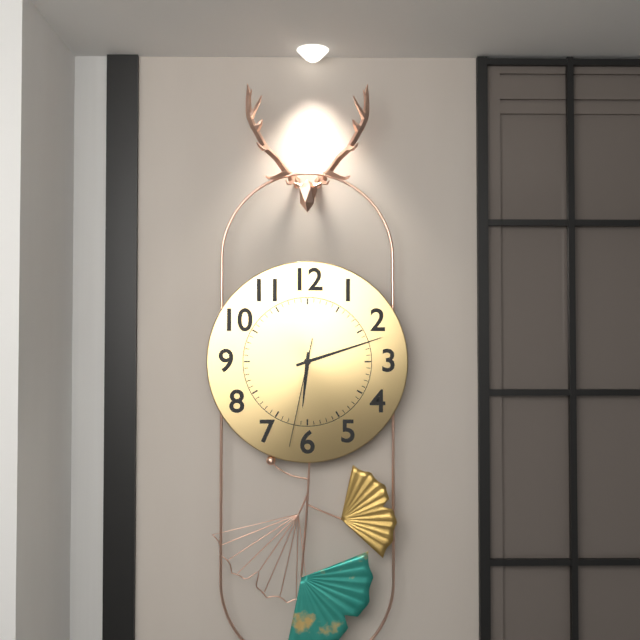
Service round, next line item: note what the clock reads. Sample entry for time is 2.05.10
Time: 6.12.32
